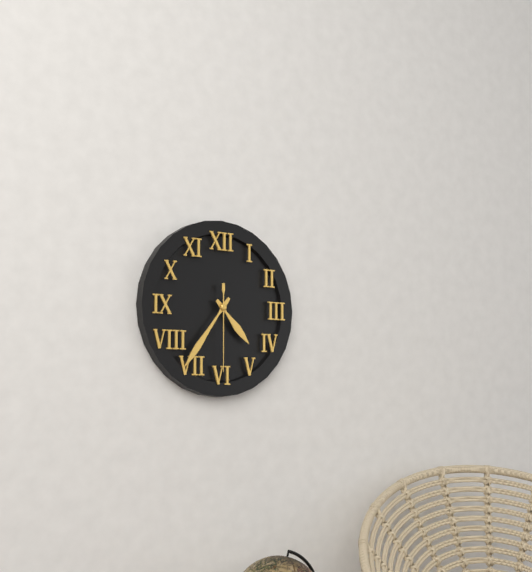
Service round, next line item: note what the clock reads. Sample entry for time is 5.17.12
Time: 4.36.30
